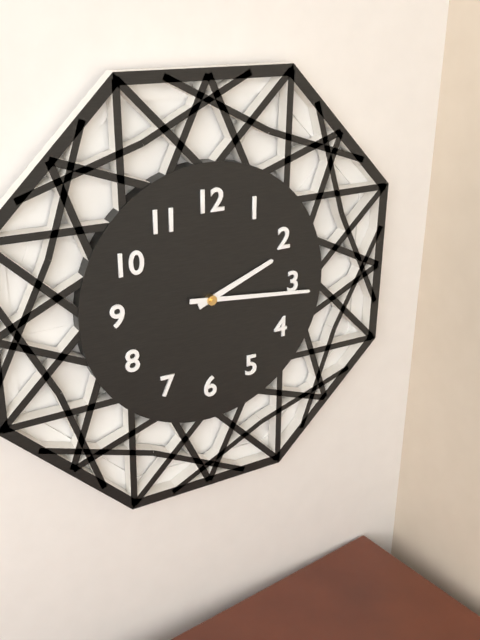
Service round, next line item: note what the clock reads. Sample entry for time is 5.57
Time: 2.16
